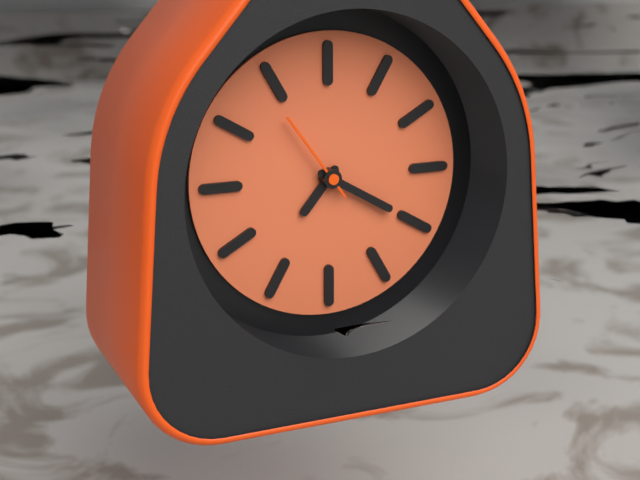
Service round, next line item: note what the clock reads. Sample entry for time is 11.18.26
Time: 7.20.54
